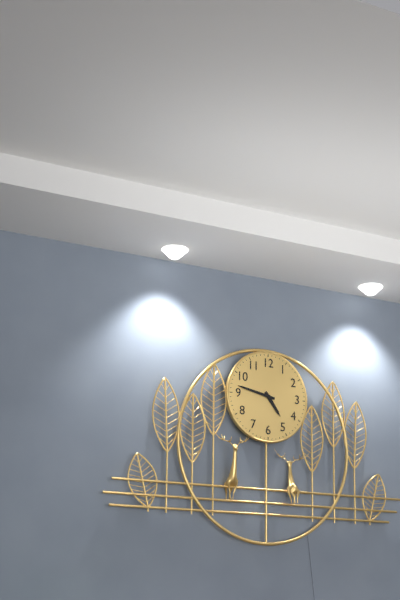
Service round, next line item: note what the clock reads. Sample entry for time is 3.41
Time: 4.47
